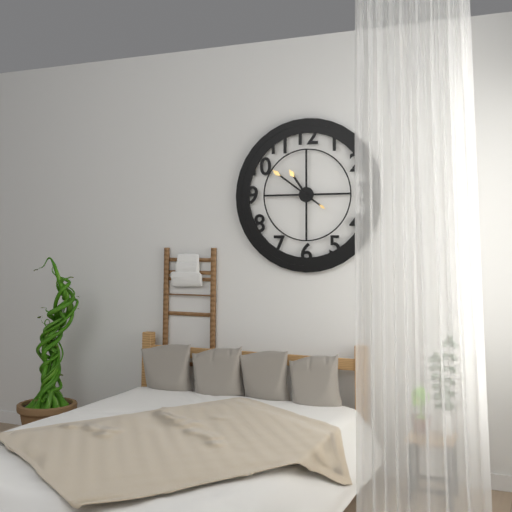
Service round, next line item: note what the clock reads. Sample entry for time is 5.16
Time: 10.51
